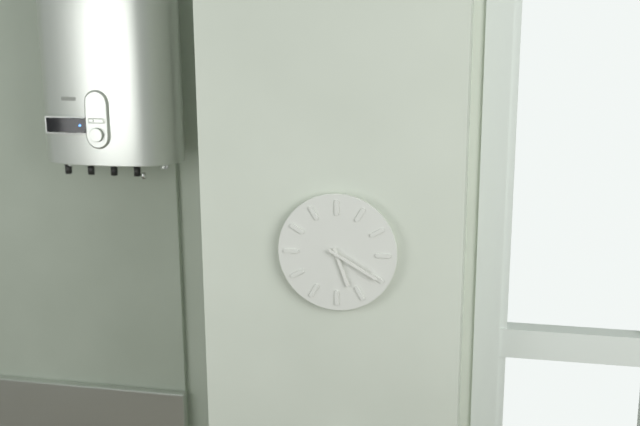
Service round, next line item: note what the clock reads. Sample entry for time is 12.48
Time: 5.20
